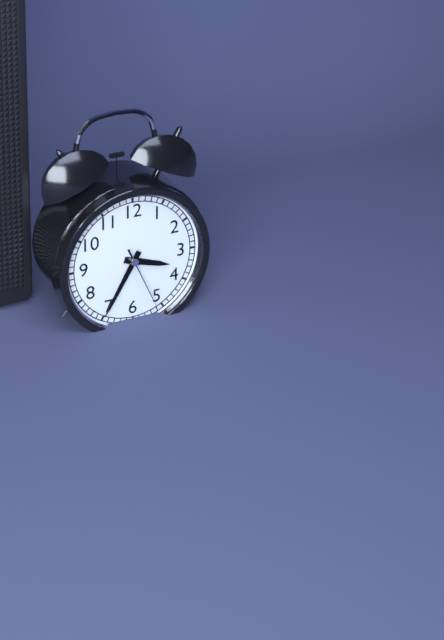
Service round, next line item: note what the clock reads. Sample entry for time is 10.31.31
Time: 3.35.26
